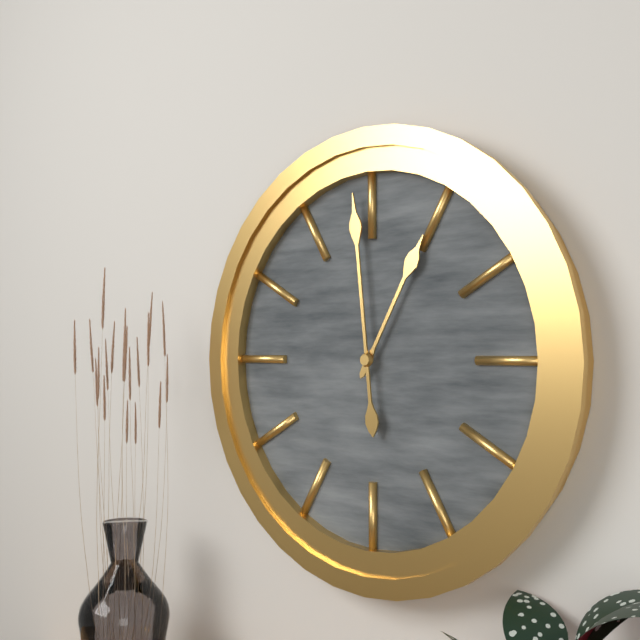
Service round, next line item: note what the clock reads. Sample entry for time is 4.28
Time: 12.59
